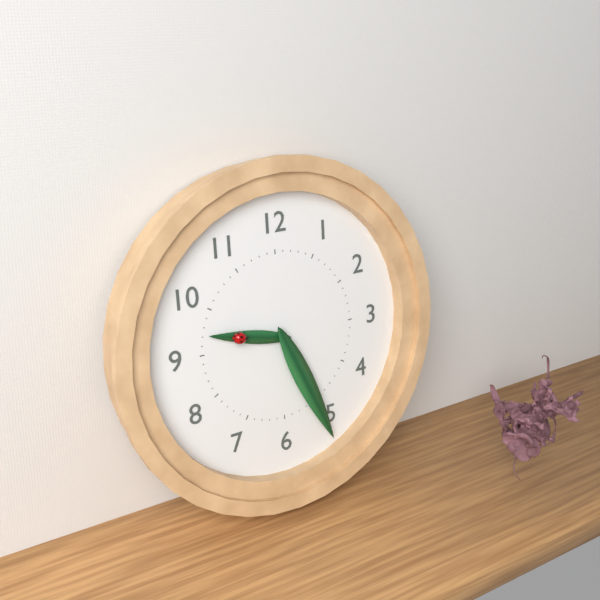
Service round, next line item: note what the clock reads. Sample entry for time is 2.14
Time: 9.26
